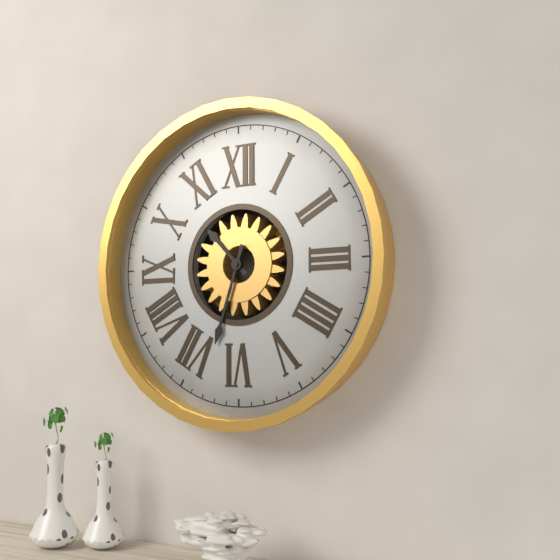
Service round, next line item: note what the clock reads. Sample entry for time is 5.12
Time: 10.33
